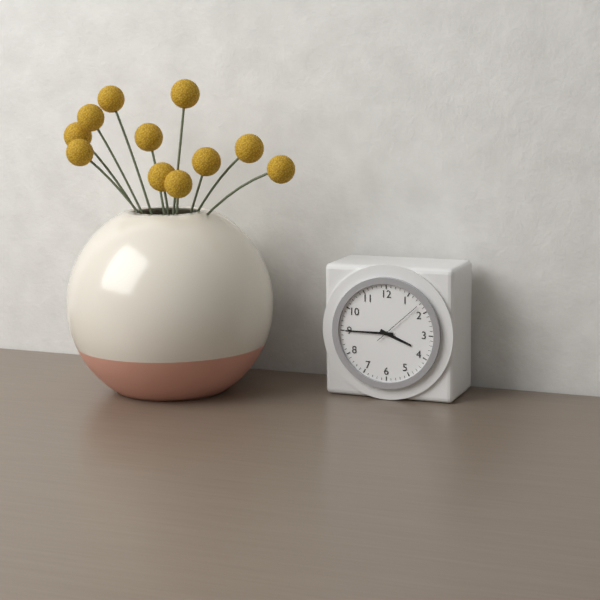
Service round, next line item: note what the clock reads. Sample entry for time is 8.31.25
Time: 3.45.08
